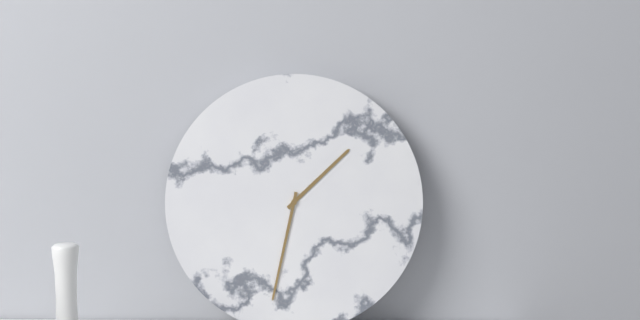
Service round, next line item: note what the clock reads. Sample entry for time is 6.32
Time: 1.32
